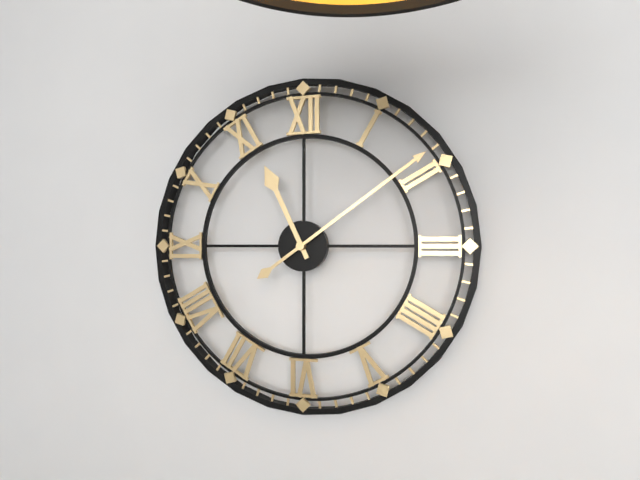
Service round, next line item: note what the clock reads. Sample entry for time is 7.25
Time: 11.09
